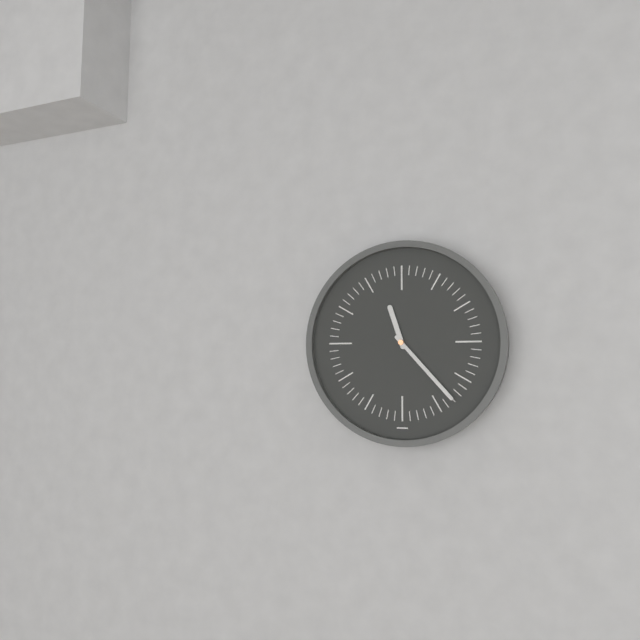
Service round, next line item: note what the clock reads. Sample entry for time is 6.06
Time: 11.23
